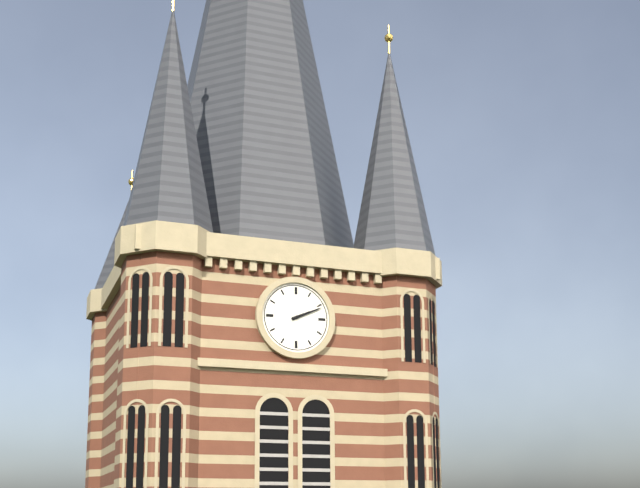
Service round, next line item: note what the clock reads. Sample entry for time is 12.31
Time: 2.11
